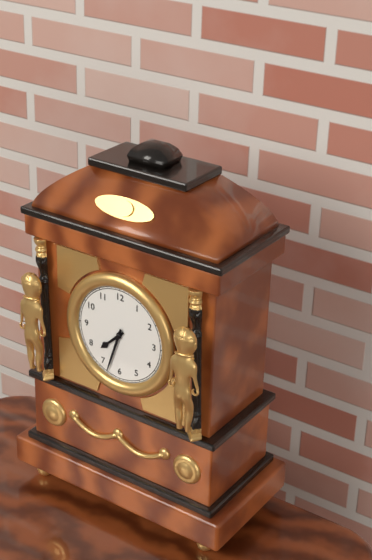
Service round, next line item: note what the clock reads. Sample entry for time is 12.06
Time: 7.33
